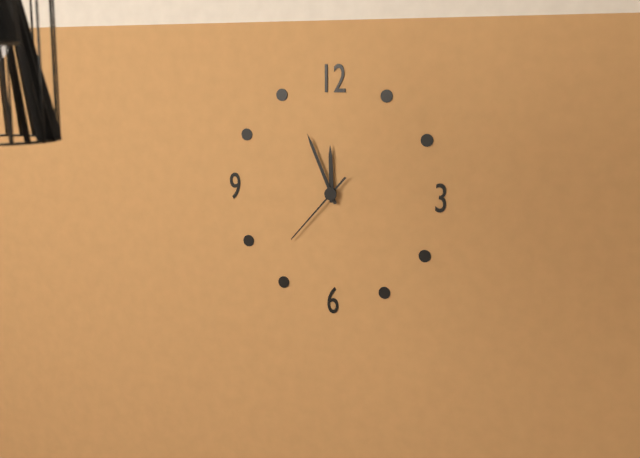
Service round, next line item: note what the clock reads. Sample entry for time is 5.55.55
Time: 11.56.37
